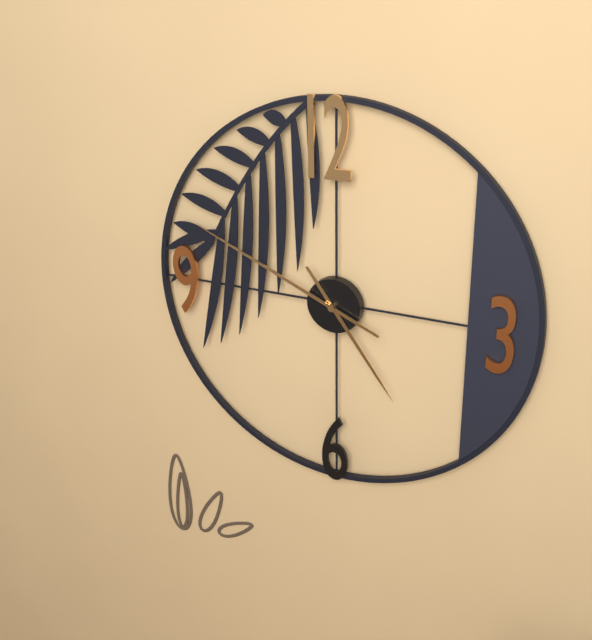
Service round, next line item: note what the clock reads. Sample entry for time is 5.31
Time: 4.49
